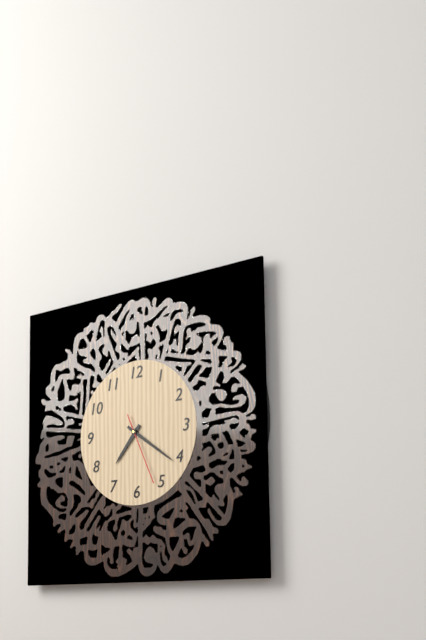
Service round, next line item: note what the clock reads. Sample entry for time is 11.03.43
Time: 7.21.26
